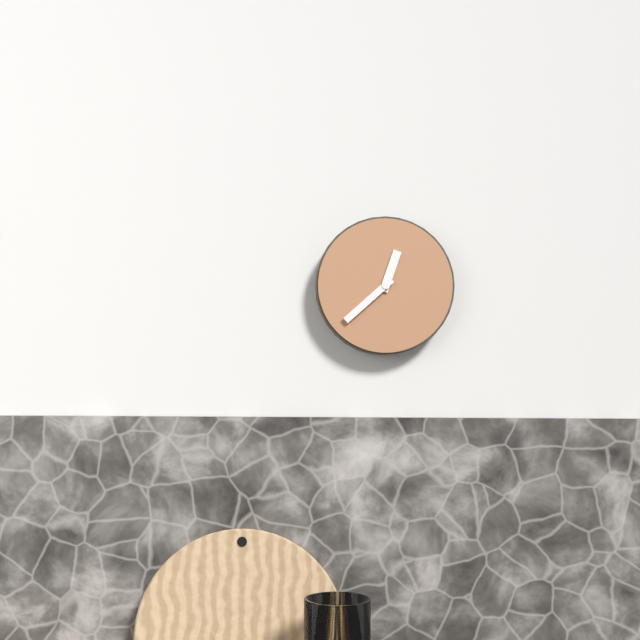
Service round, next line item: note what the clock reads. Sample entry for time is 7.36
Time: 12.38
